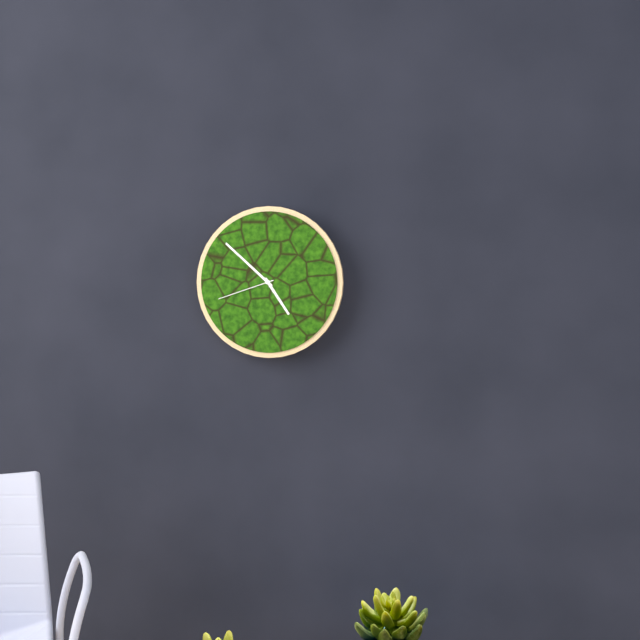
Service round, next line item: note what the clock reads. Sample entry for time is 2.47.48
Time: 4.52.42
